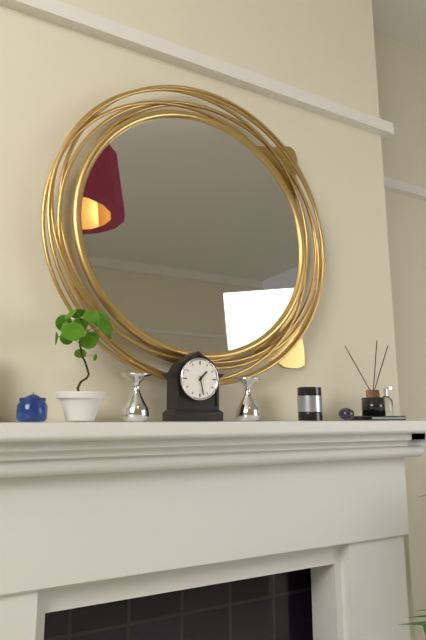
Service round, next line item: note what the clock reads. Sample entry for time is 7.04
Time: 1.28
